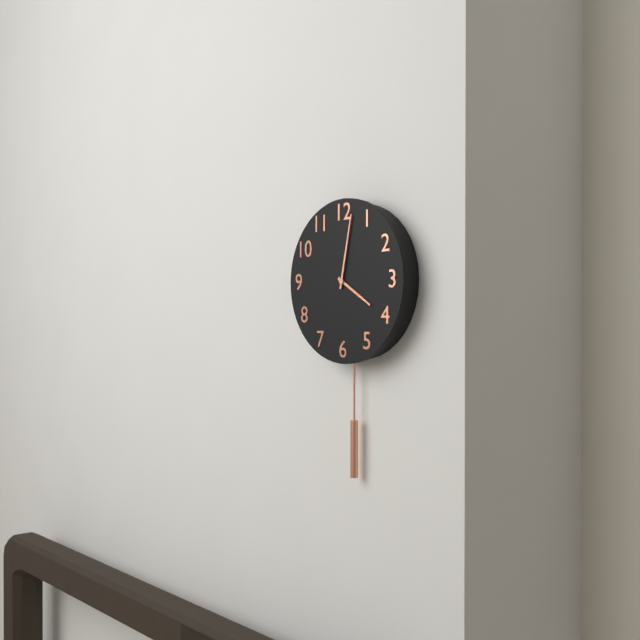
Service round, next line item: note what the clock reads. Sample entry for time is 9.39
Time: 4.02
